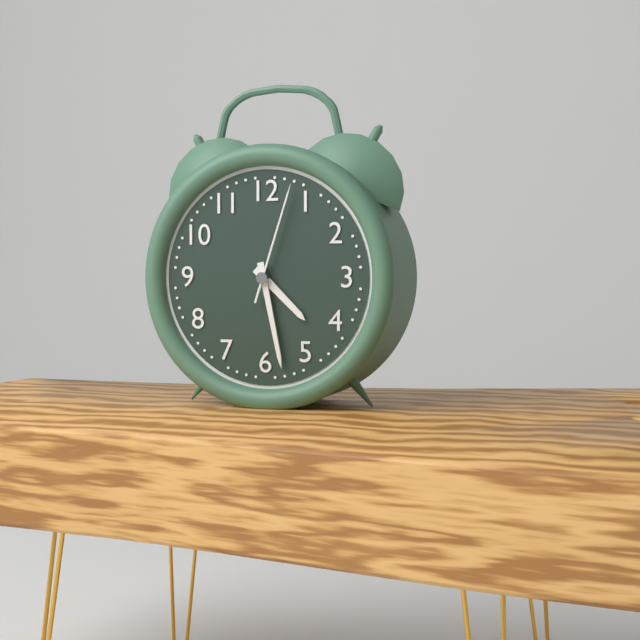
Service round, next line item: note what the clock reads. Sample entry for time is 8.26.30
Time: 4.28.03
